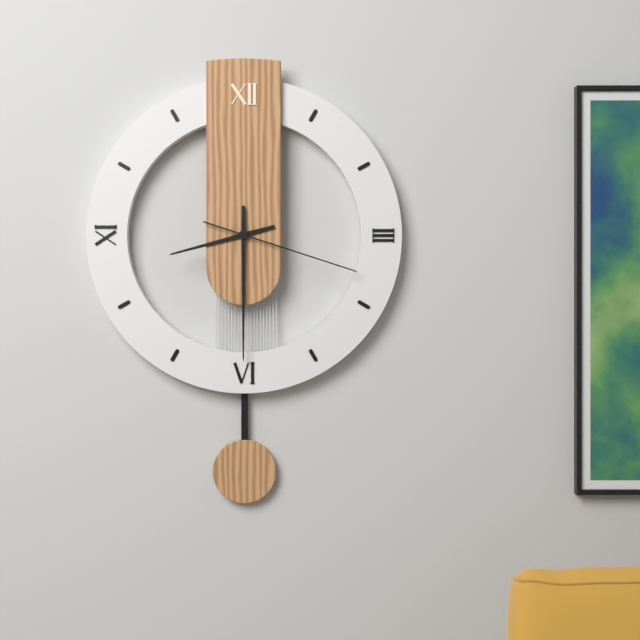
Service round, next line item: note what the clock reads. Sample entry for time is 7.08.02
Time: 8.30.18
